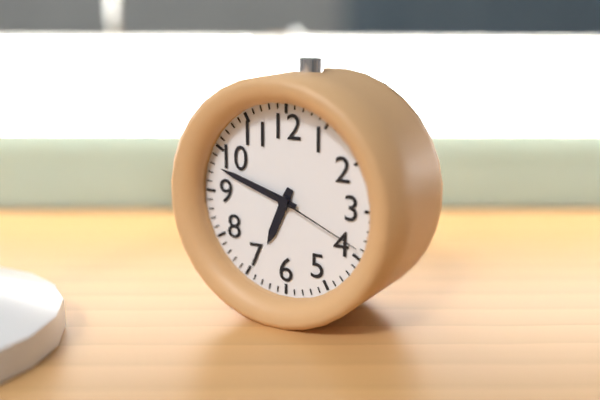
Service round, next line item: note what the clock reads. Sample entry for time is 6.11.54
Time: 6.48.19
